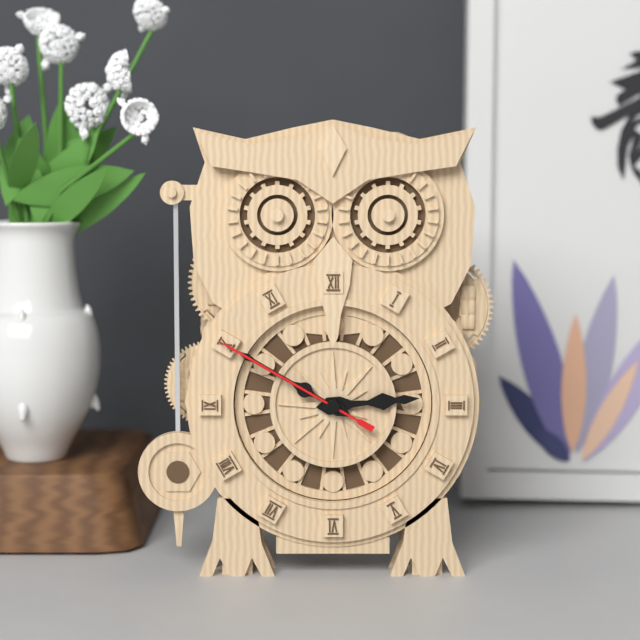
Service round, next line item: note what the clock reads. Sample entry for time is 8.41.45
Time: 2.50.50
